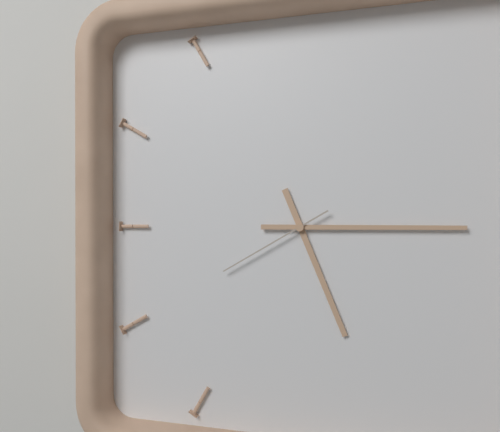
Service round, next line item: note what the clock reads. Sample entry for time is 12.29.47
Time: 5.15.40
